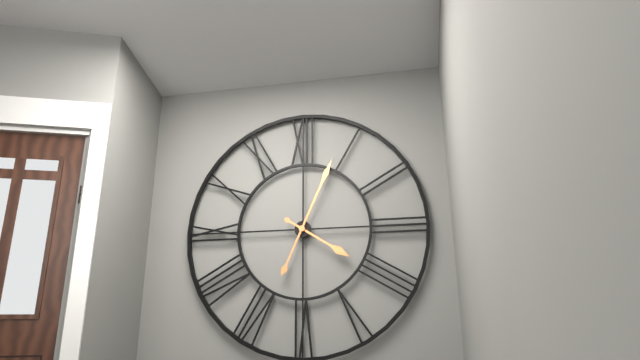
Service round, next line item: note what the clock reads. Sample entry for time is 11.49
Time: 4.04
